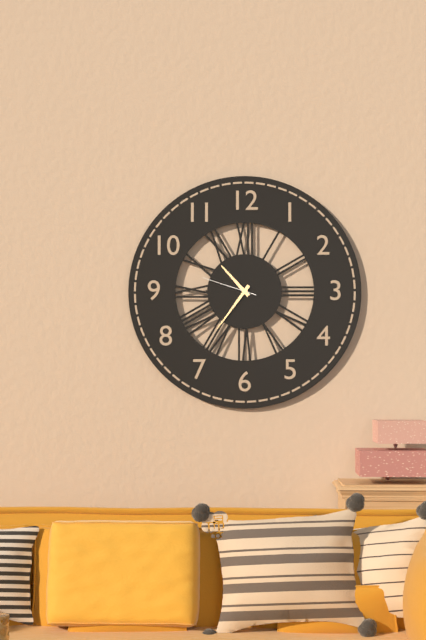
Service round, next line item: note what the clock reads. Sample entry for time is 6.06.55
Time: 10.36.48
